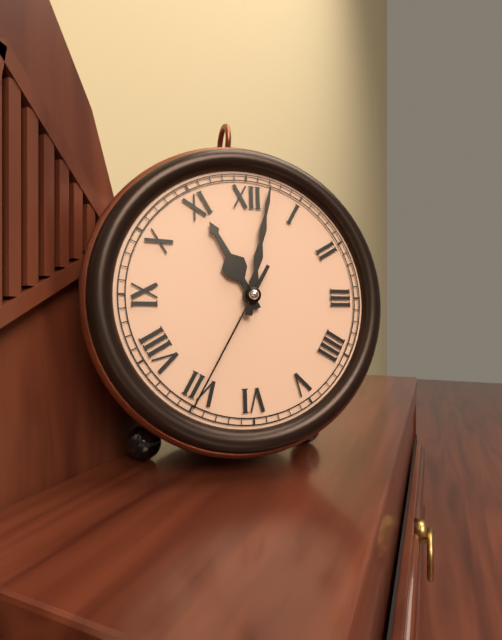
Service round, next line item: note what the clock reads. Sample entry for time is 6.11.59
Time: 11.02.35
